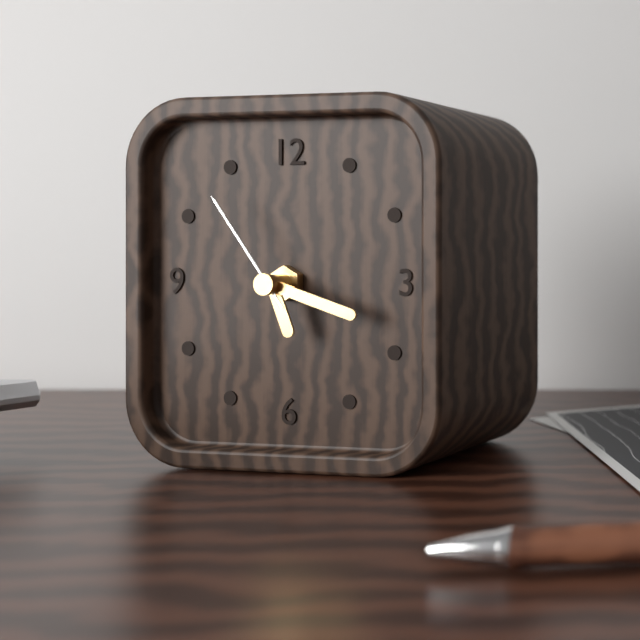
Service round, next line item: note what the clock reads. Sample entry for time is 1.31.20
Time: 5.18.54
